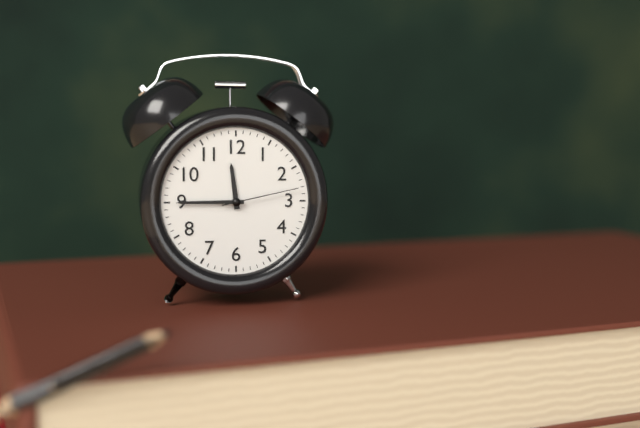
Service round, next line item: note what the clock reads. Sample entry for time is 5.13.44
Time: 11.45.13
